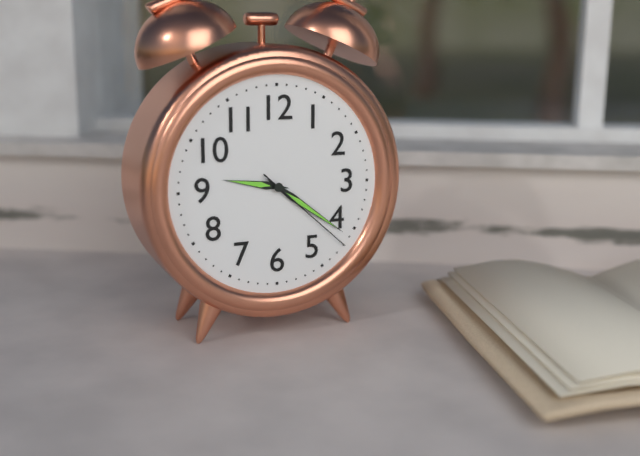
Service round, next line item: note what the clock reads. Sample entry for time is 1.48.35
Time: 9.21.22
